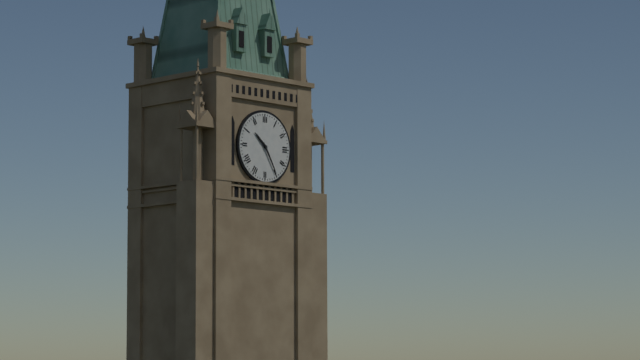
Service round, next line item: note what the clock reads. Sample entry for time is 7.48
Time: 10.25
